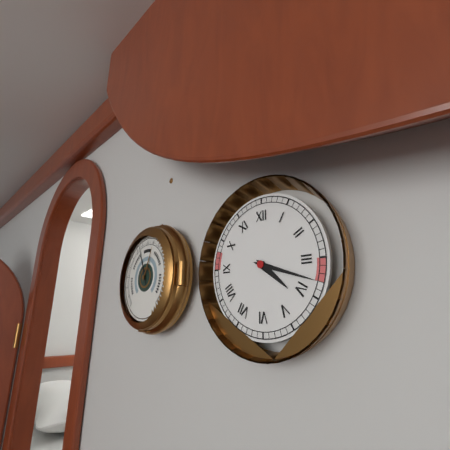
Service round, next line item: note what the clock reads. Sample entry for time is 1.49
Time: 4.18
